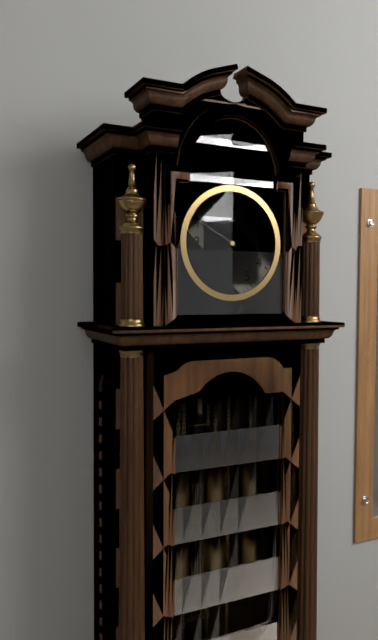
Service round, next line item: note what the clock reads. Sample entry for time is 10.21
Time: 9.50
